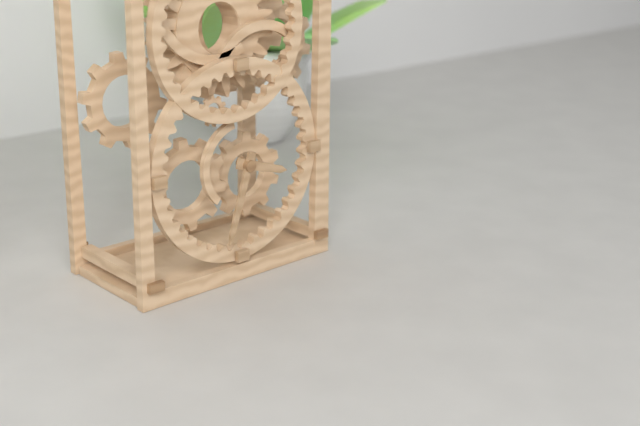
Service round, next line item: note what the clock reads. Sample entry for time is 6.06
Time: 3.33
